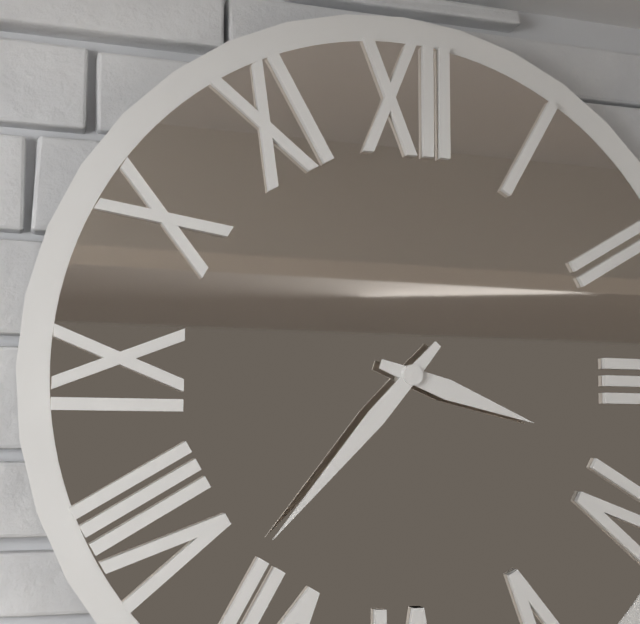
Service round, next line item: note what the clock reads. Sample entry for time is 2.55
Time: 3.37
